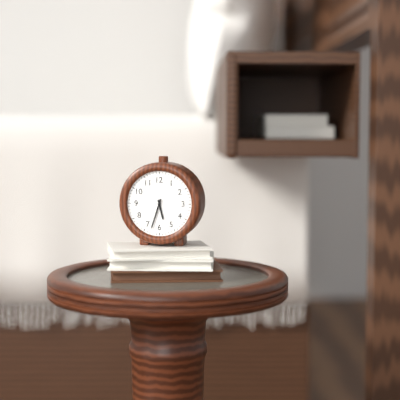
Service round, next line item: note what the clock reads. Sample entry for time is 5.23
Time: 5.33
